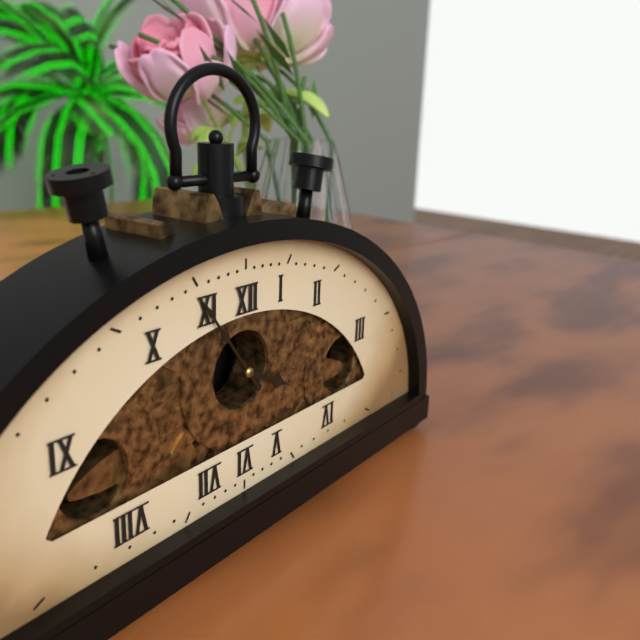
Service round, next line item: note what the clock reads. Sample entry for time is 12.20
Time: 3.54
